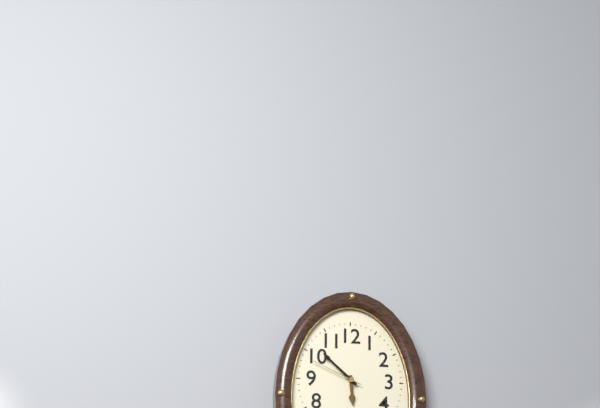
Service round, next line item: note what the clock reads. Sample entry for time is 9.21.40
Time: 5.52.49
